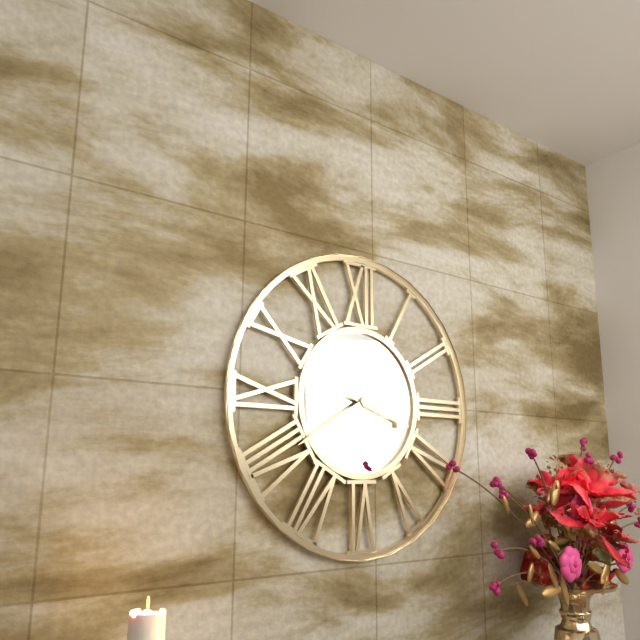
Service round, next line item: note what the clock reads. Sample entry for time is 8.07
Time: 3.40
